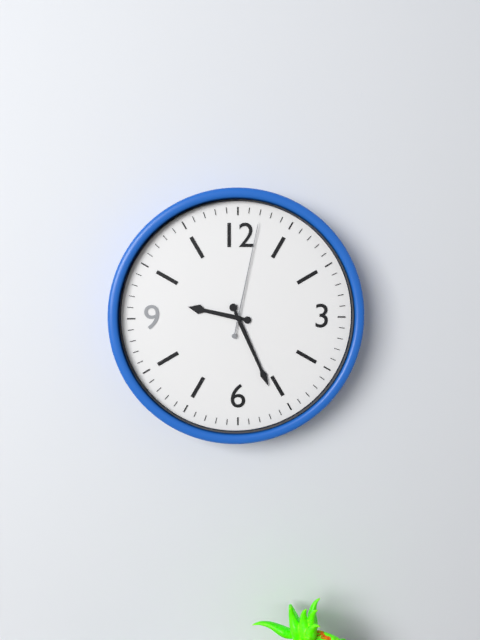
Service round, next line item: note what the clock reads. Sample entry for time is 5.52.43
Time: 9.26.02
